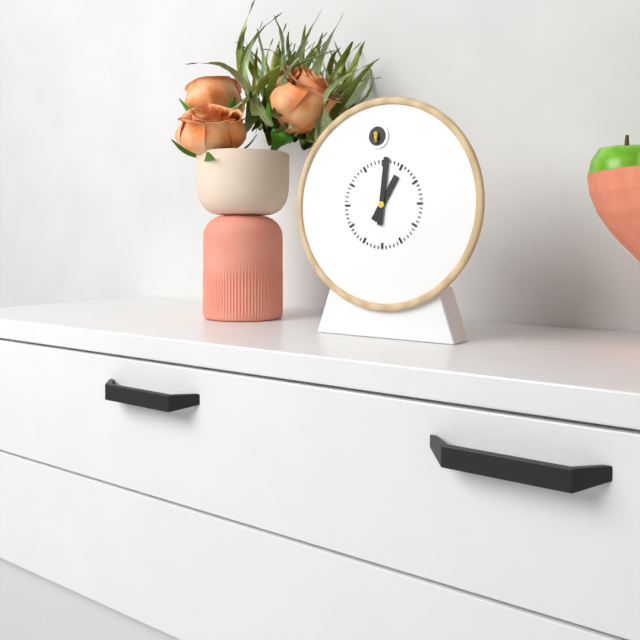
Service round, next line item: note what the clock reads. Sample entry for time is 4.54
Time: 1.01
